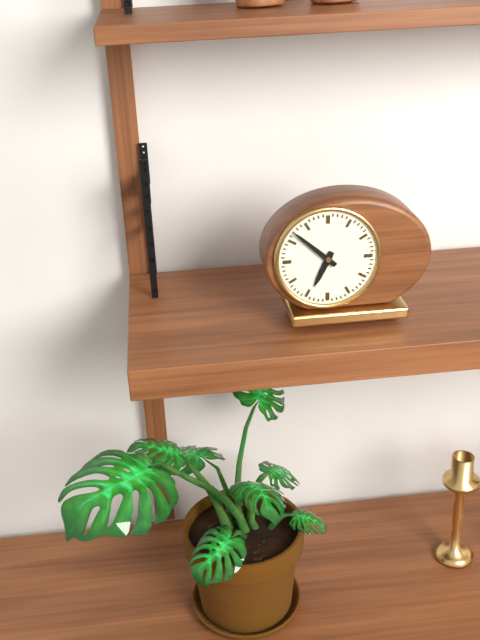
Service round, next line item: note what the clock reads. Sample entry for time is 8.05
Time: 6.52
